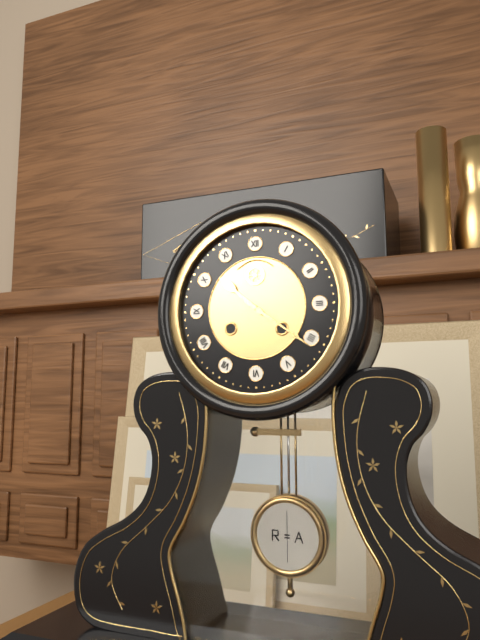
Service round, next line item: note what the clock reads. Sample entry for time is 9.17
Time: 10.21
